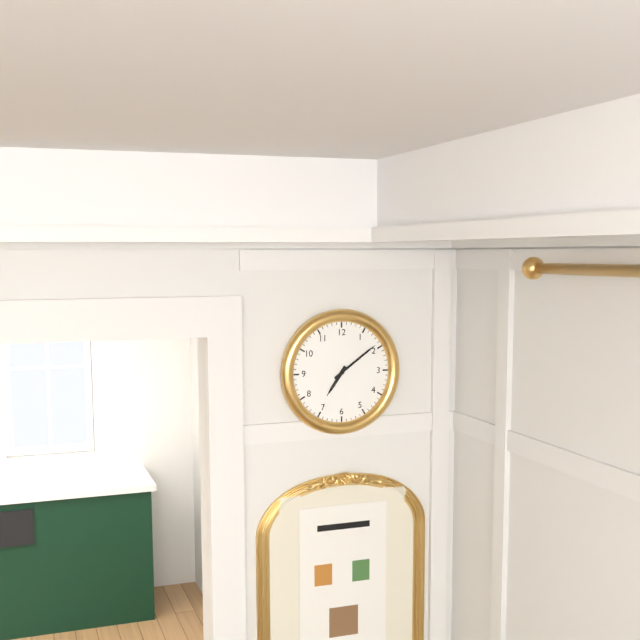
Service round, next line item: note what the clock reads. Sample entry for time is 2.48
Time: 7.09
